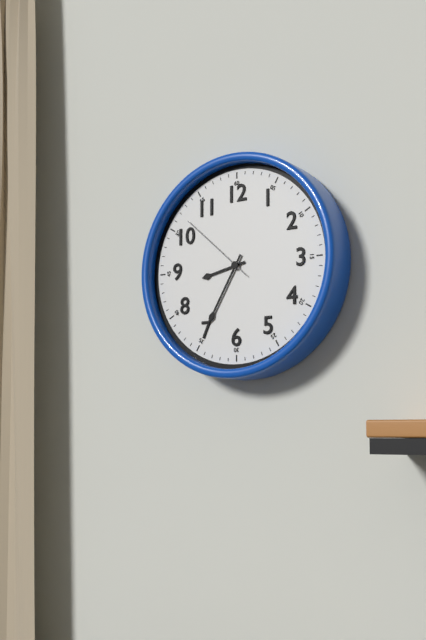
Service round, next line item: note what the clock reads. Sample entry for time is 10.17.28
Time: 8.35.52
